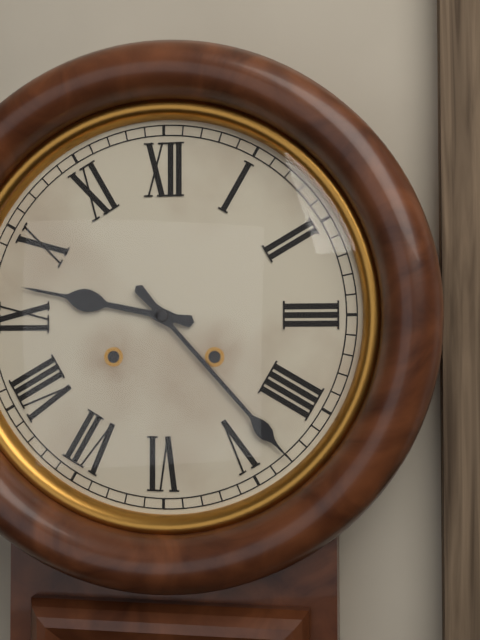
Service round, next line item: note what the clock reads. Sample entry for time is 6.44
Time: 9.23
